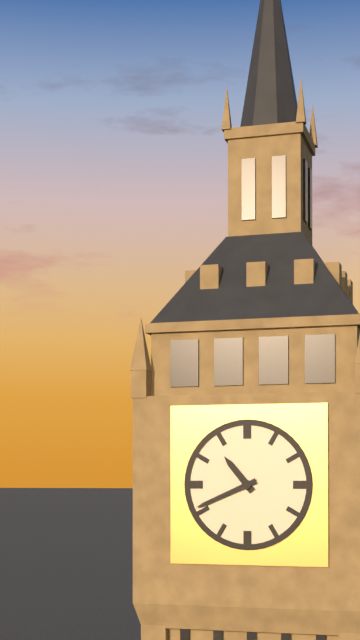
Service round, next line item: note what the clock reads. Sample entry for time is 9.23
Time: 10.41
